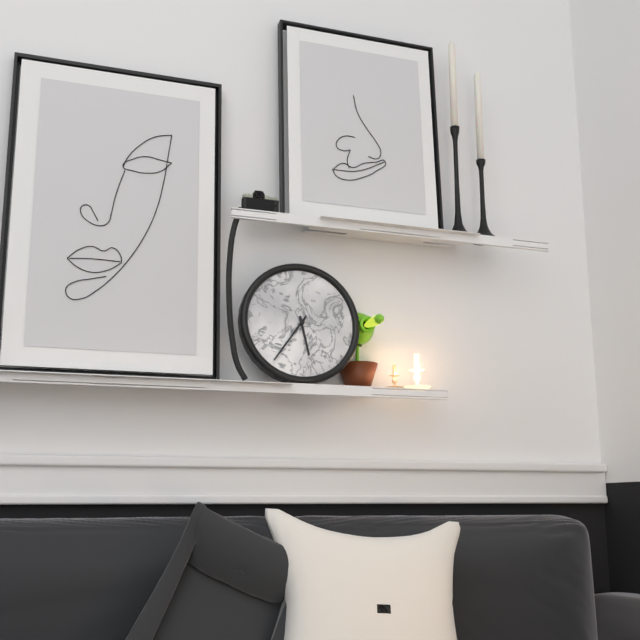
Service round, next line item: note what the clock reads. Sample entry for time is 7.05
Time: 5.36
